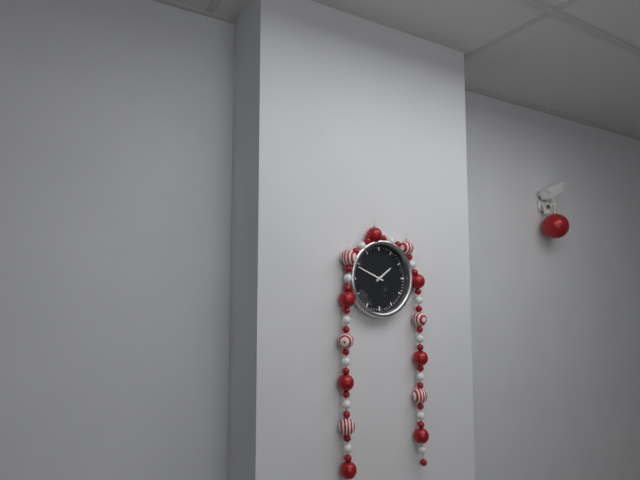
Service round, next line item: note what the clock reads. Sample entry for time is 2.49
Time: 1.49
